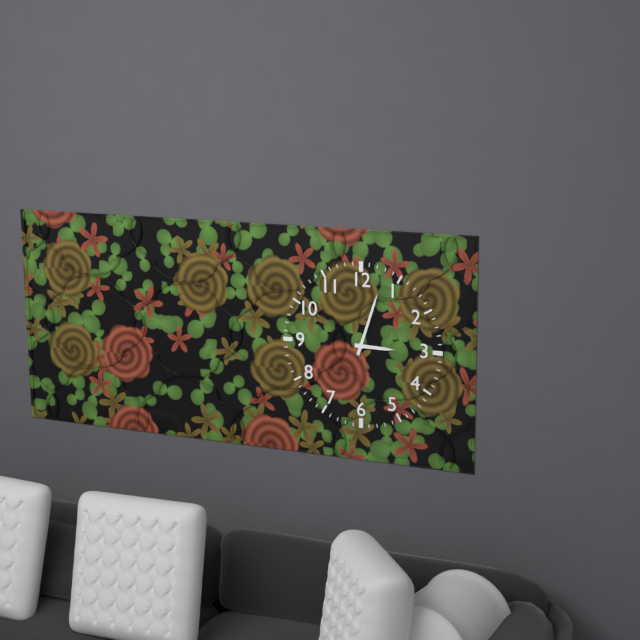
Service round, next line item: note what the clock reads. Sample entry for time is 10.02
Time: 3.03
